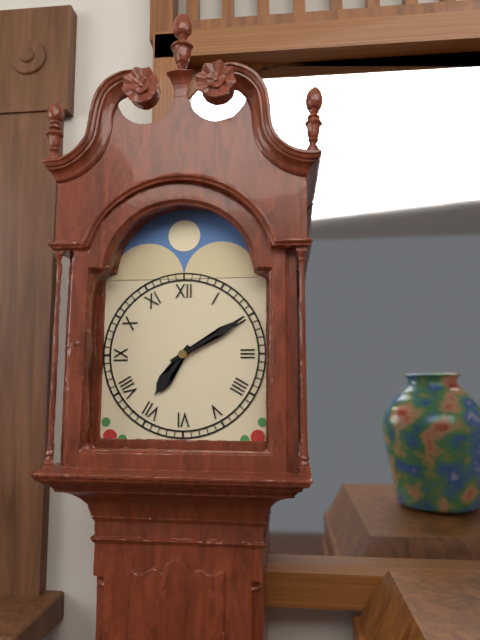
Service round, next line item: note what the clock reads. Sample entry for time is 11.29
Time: 7.10
